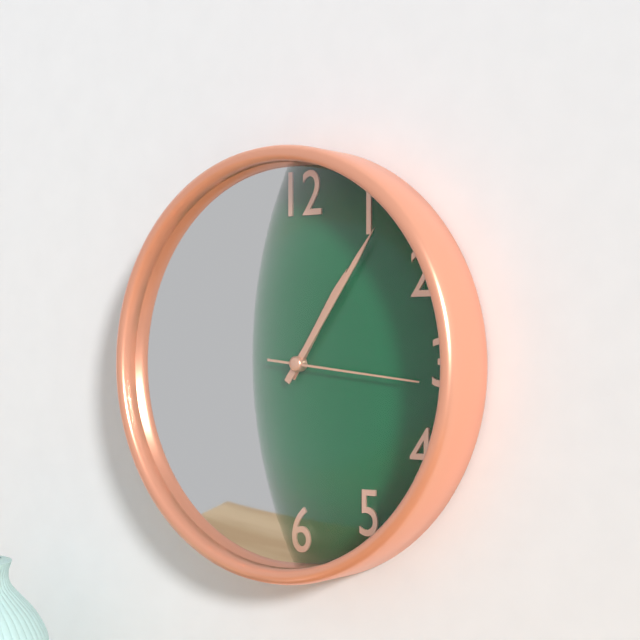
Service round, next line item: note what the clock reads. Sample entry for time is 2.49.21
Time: 1.06.16
